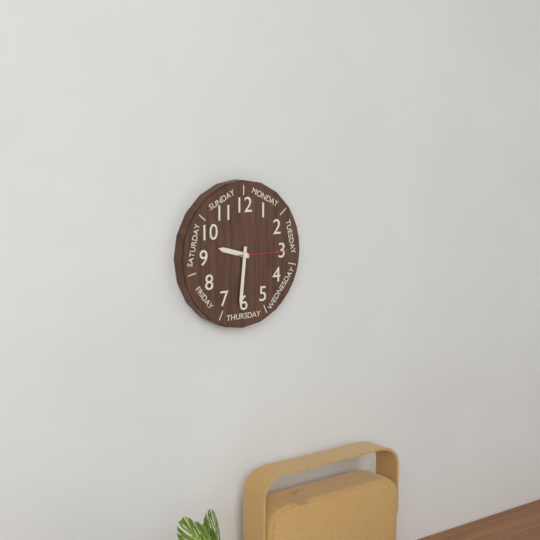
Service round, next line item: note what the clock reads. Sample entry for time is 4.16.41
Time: 9.31.15
